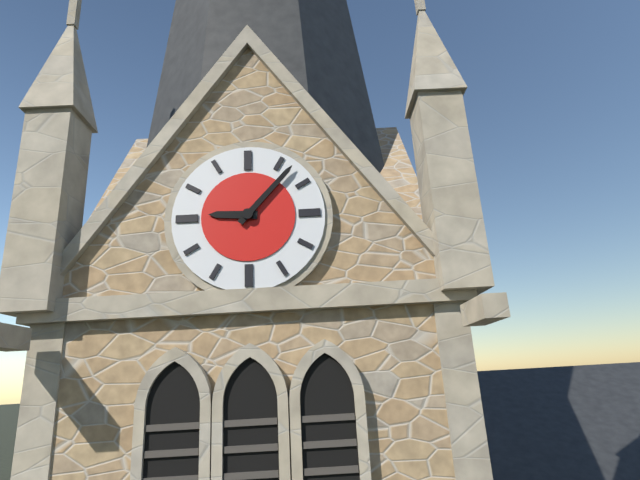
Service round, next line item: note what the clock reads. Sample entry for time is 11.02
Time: 9.07
